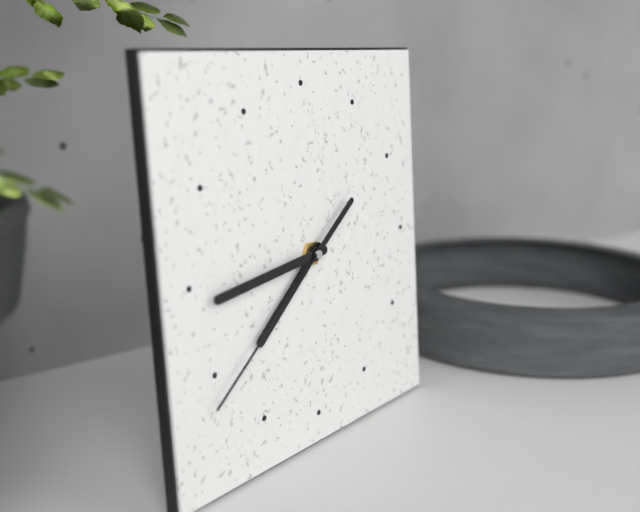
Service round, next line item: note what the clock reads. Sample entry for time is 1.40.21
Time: 7.44.39
